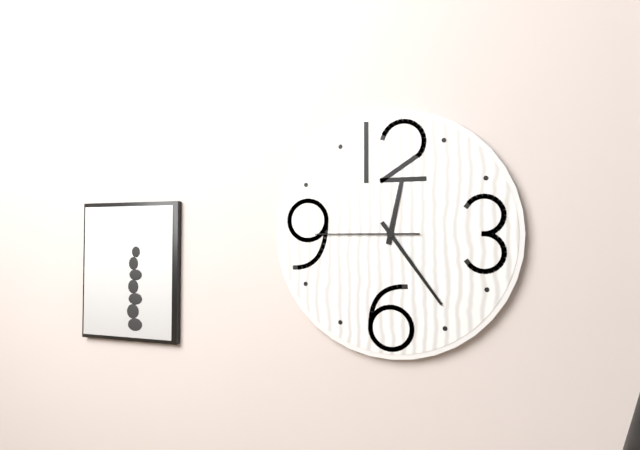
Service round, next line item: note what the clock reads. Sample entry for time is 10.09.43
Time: 12.24.45
